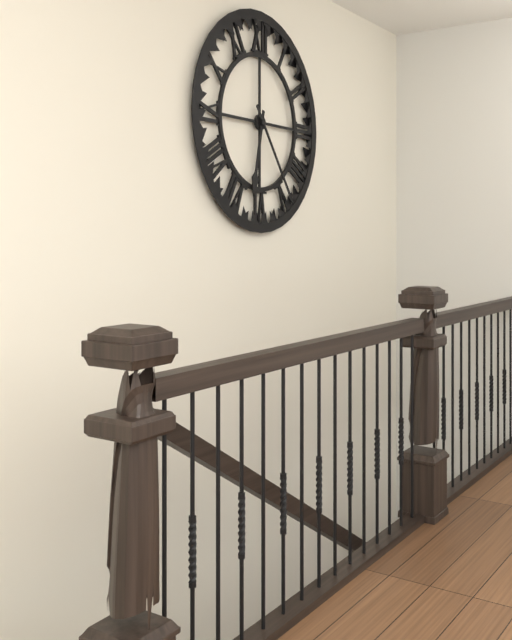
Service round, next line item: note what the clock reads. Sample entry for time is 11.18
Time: 6.24
